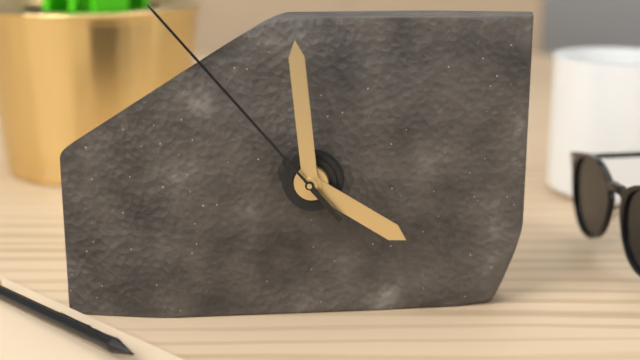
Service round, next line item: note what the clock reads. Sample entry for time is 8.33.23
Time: 3.59.53
